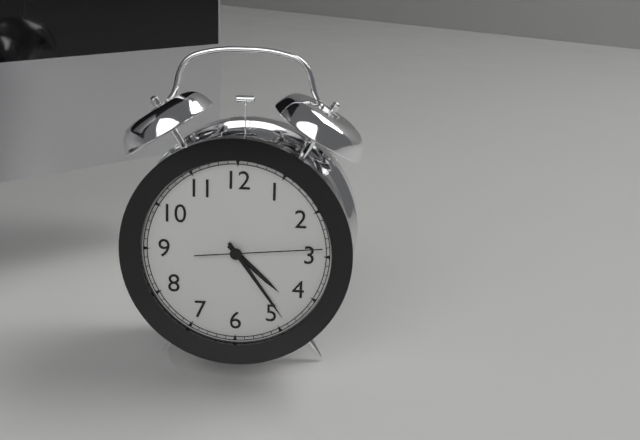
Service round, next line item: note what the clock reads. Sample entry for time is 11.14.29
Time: 4.24.14
